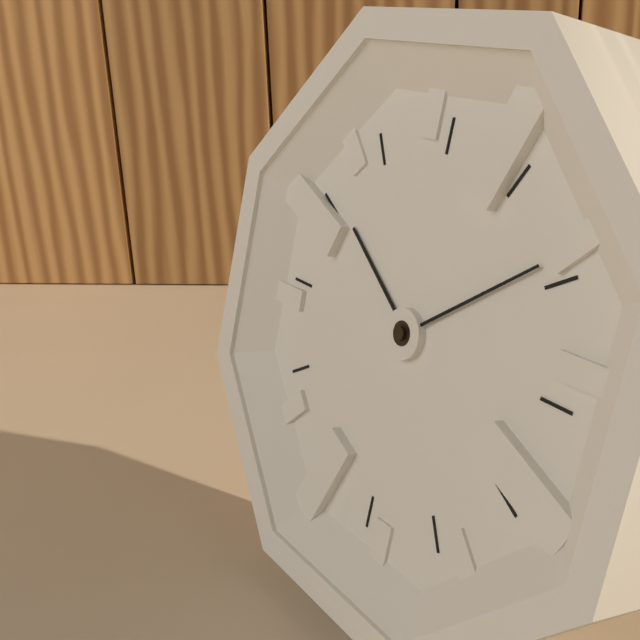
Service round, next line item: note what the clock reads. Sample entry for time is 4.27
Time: 10.09
